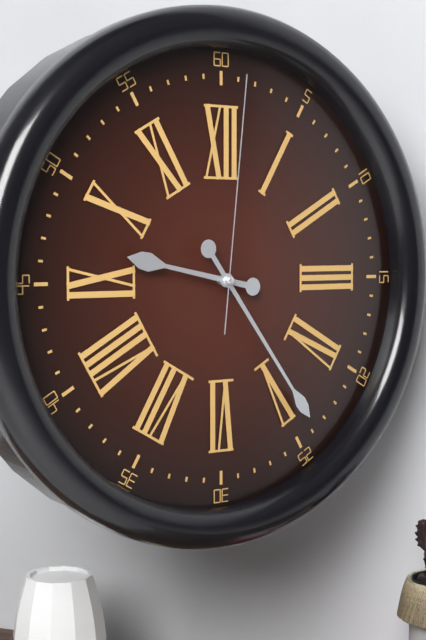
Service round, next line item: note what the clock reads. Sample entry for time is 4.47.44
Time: 9.24.01
